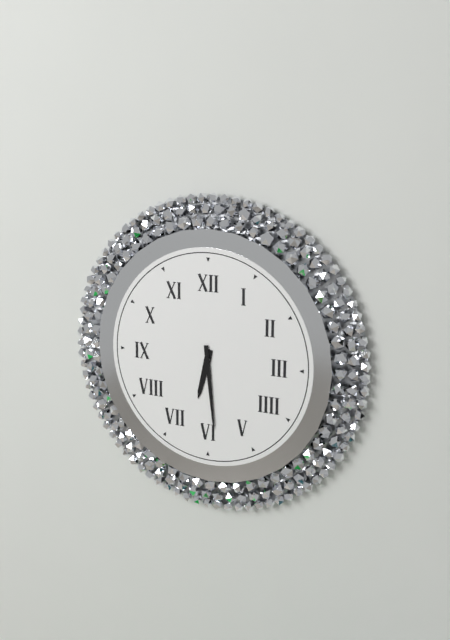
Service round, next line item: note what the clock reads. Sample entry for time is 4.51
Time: 6.29
